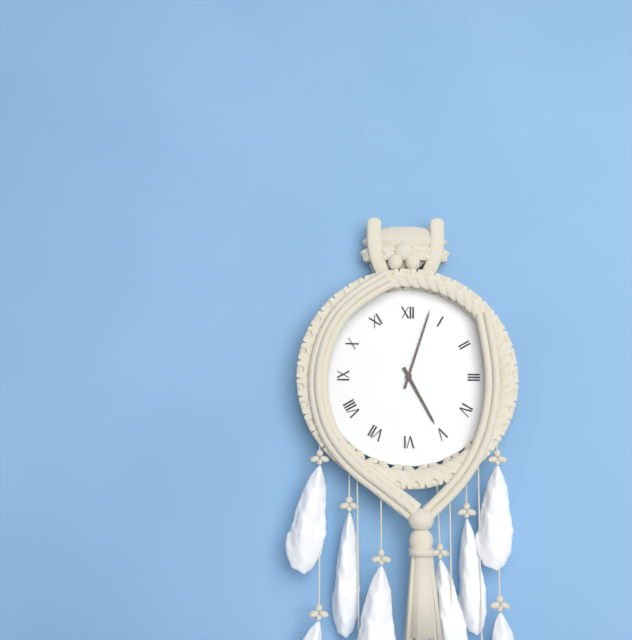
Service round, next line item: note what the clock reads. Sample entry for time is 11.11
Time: 5.03
